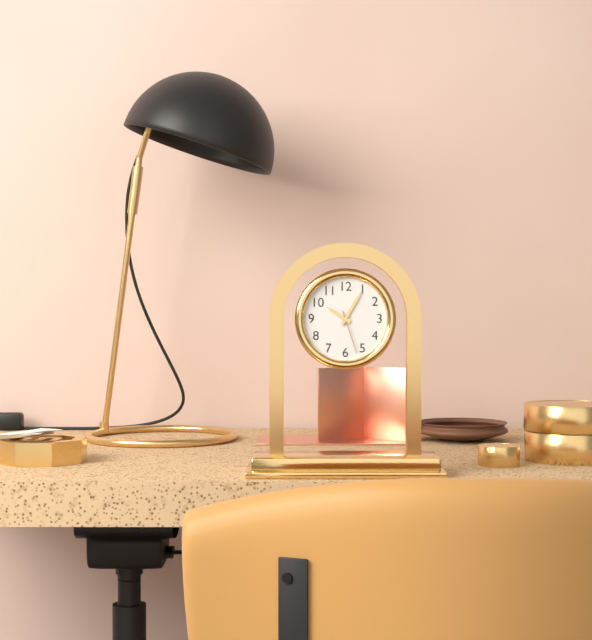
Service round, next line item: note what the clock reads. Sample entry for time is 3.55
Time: 10.05
